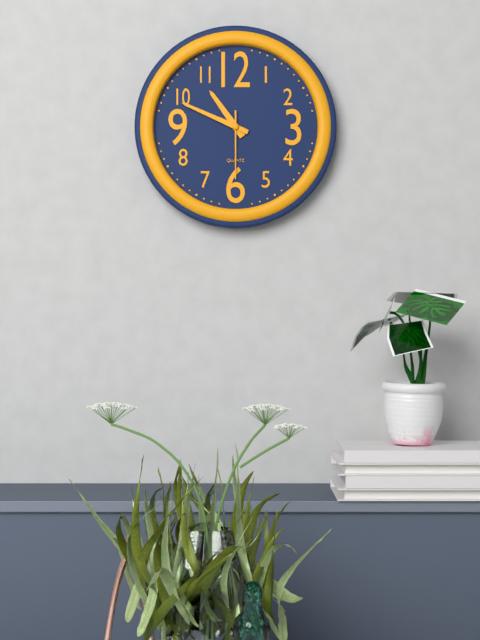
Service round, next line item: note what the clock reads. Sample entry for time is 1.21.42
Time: 10.49.30
